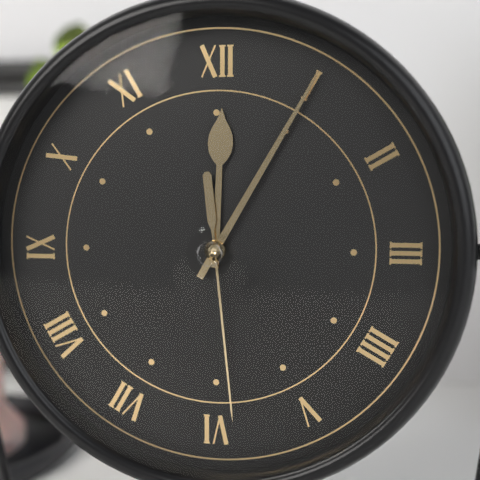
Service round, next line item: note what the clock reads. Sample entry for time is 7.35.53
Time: 12.05.29
